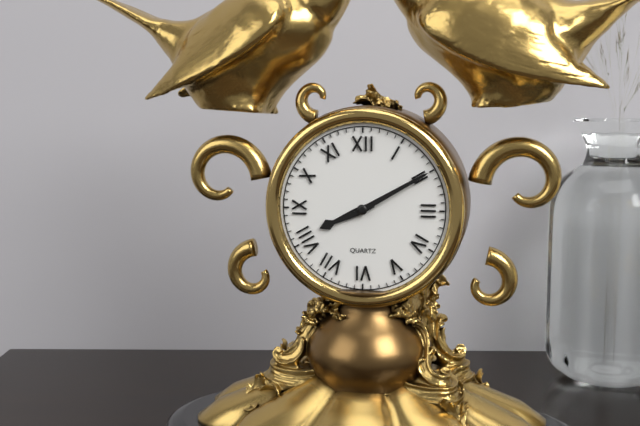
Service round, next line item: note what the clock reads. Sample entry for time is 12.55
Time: 8.10
